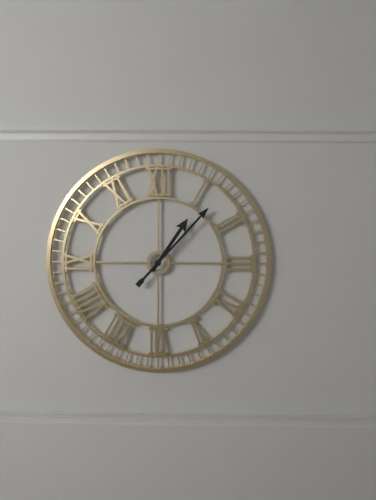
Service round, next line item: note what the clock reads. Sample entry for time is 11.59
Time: 1.07
